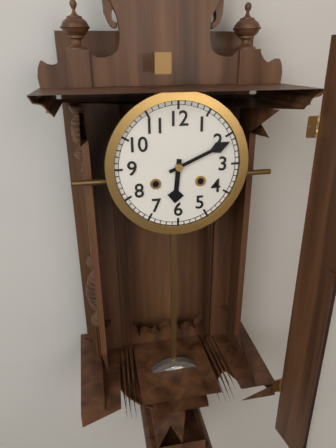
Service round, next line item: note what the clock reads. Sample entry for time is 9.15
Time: 6.11
